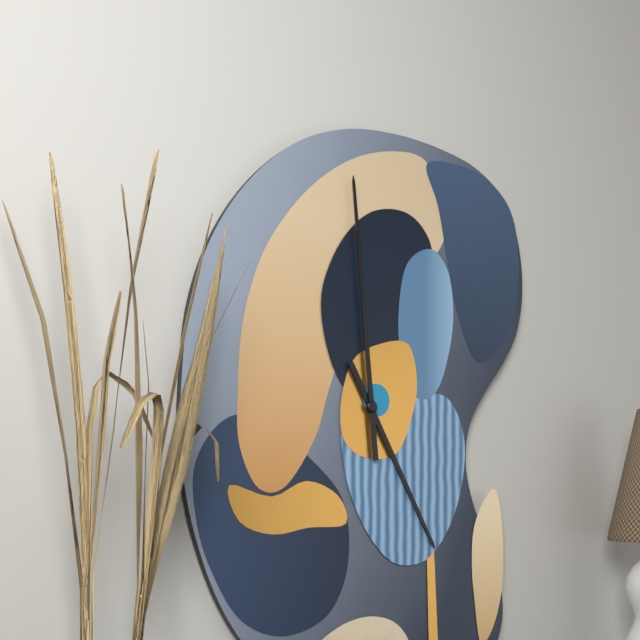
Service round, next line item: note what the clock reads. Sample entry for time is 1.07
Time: 4.59
